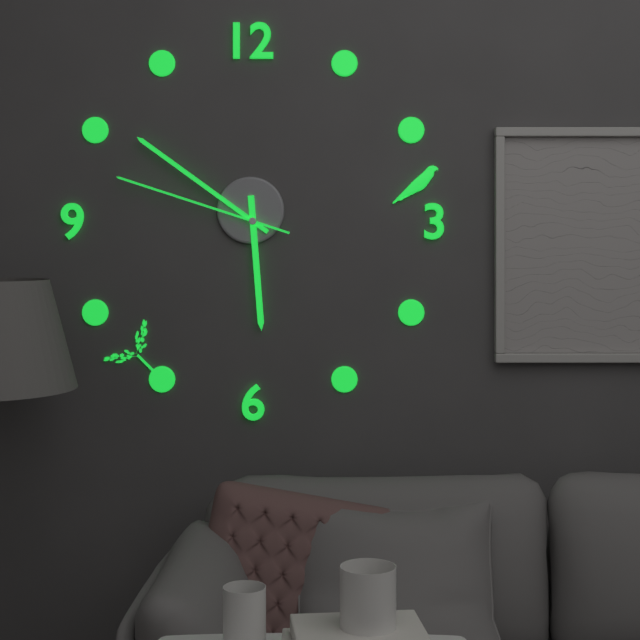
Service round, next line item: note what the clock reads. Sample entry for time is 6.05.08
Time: 5.51.48
